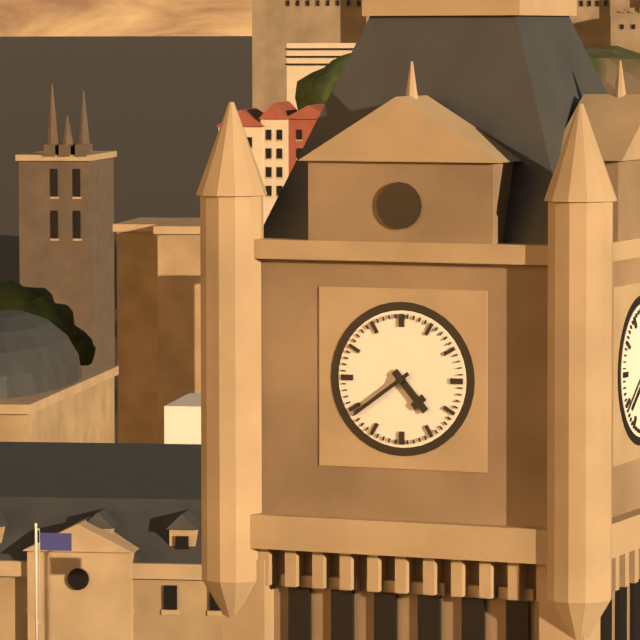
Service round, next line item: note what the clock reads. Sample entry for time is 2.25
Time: 4.39
